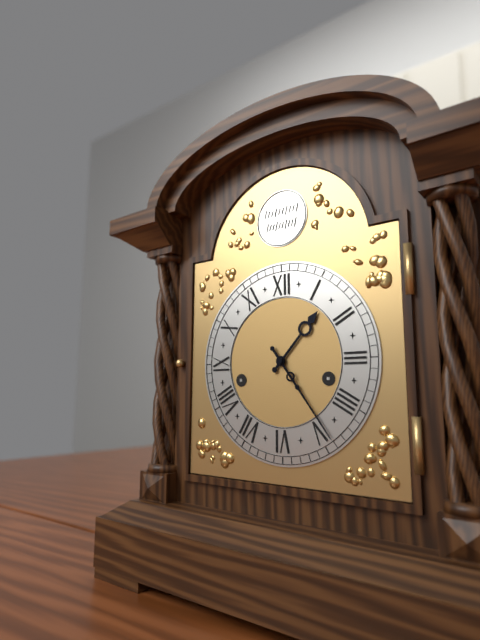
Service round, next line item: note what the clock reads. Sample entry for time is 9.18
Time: 1.24
